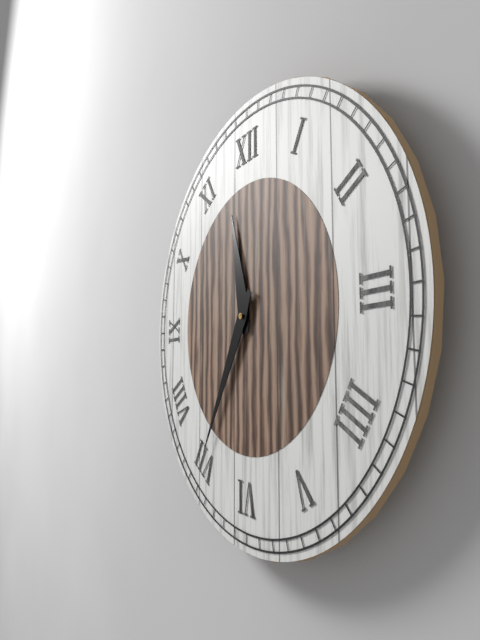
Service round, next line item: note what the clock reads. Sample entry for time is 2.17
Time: 11.35
